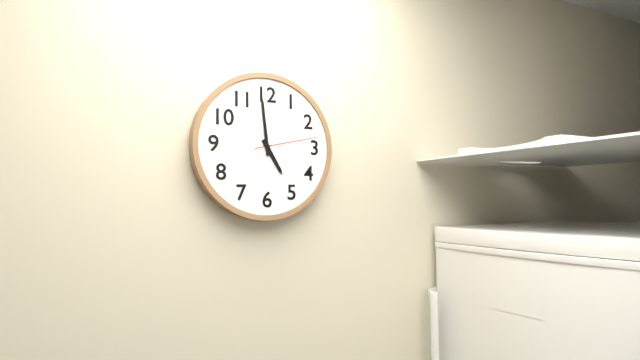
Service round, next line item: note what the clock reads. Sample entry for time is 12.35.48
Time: 4.59.13
